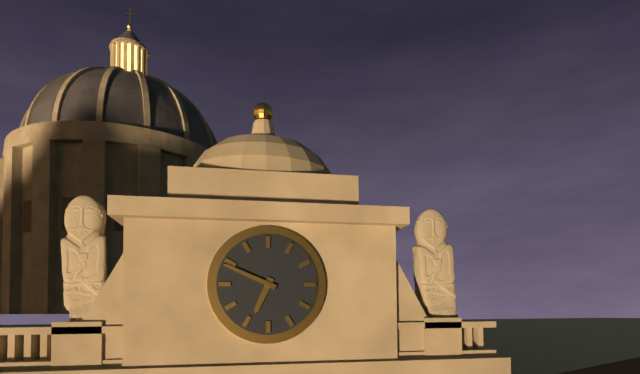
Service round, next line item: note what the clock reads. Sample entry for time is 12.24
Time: 6.49
